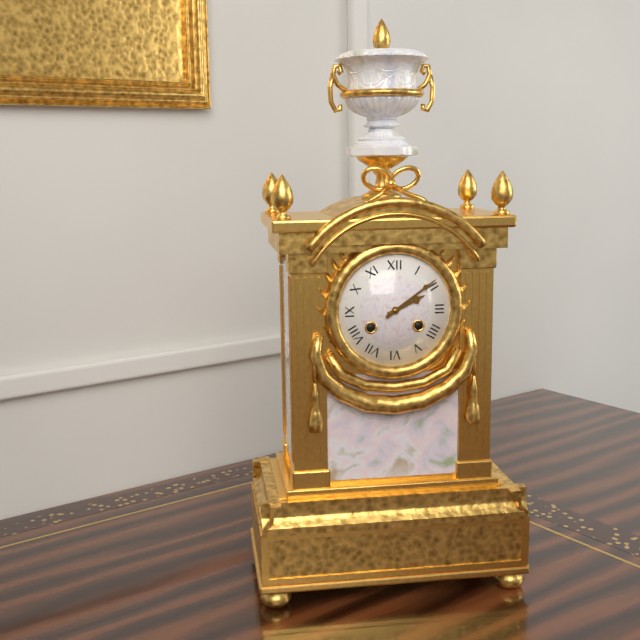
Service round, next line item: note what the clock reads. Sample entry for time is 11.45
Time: 2.09
